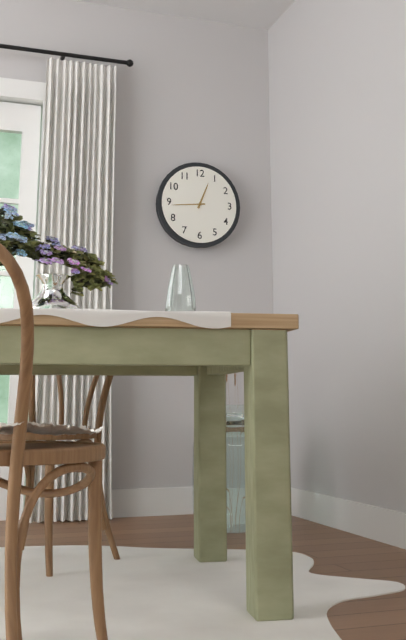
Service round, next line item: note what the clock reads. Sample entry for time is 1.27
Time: 12.44
